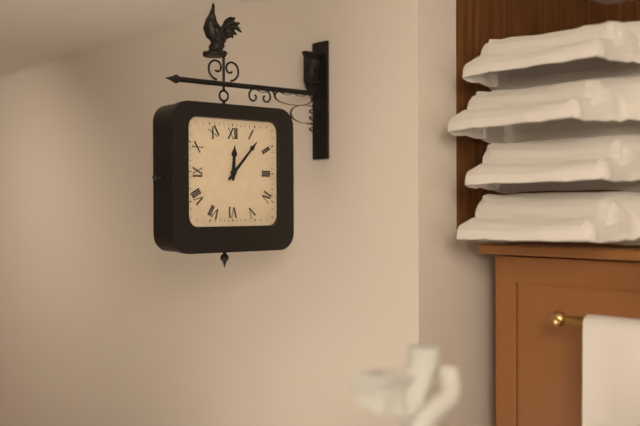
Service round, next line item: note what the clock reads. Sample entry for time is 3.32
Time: 12.07
